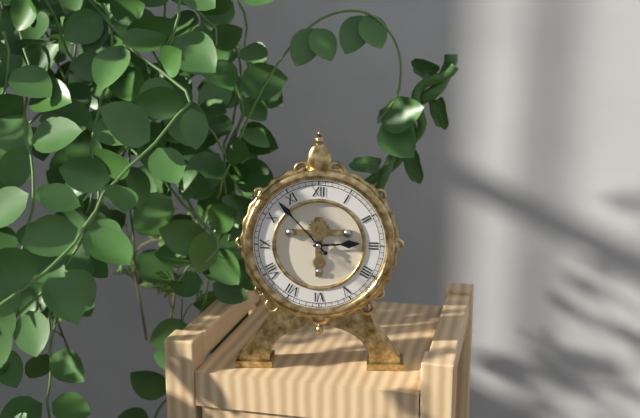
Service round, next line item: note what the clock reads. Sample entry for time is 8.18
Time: 2.53
